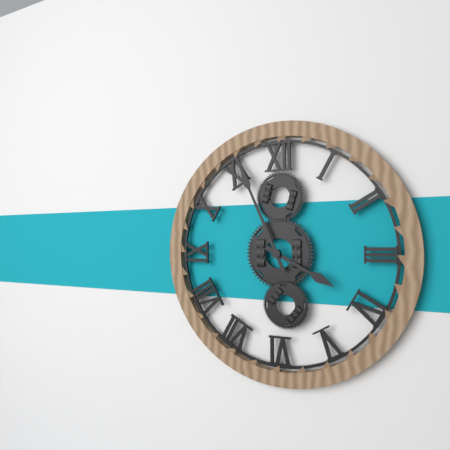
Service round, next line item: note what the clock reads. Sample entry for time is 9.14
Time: 3.56
